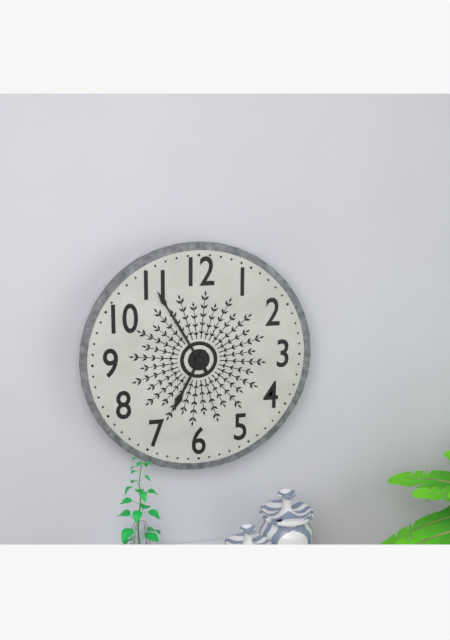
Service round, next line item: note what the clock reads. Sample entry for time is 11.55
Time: 6.55
